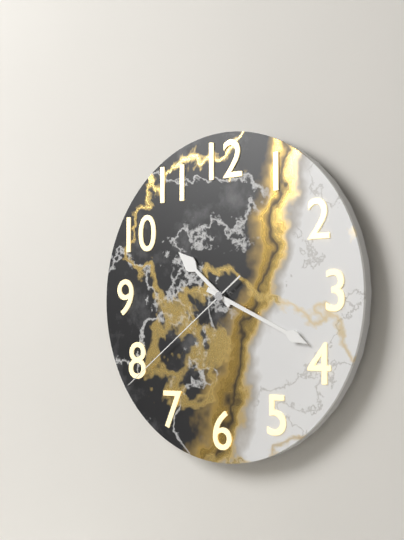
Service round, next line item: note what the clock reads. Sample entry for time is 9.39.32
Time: 10.19.39
